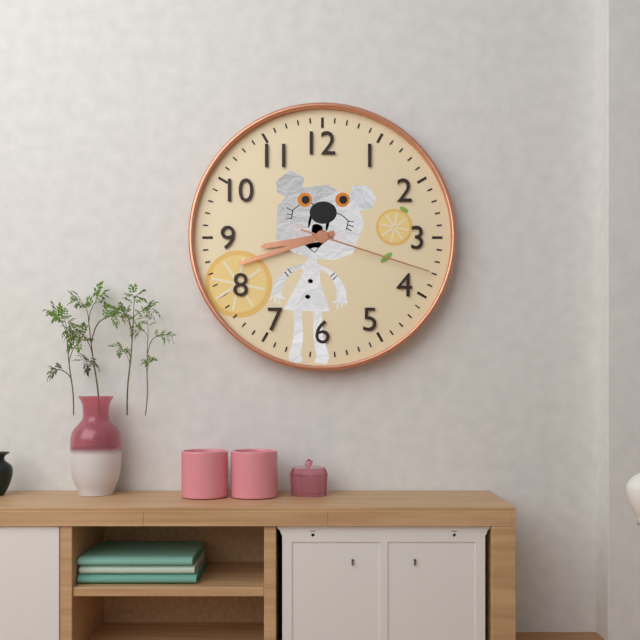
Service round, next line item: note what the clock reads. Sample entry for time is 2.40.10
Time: 8.42.18
